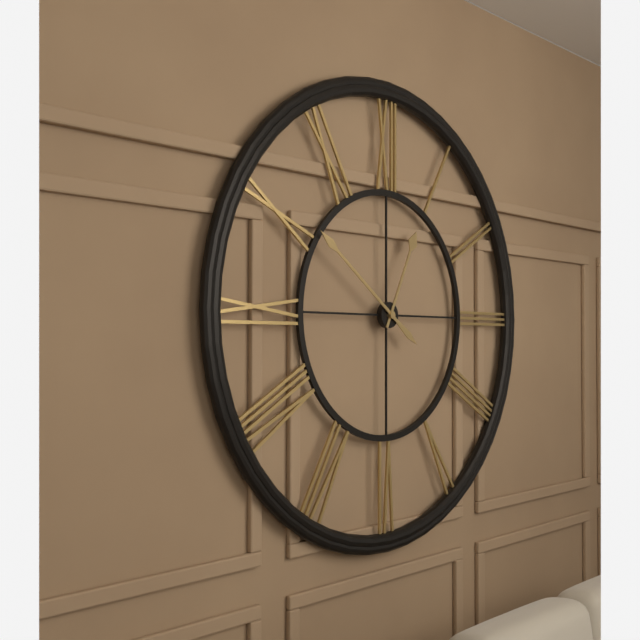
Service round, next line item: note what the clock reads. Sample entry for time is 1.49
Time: 12.51
